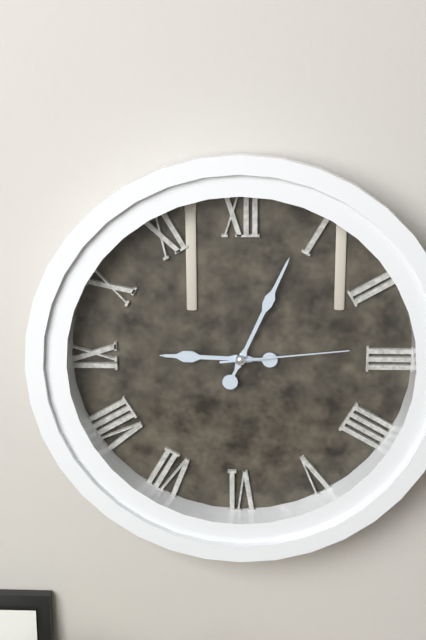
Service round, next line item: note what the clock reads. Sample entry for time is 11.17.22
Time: 9.04.14
